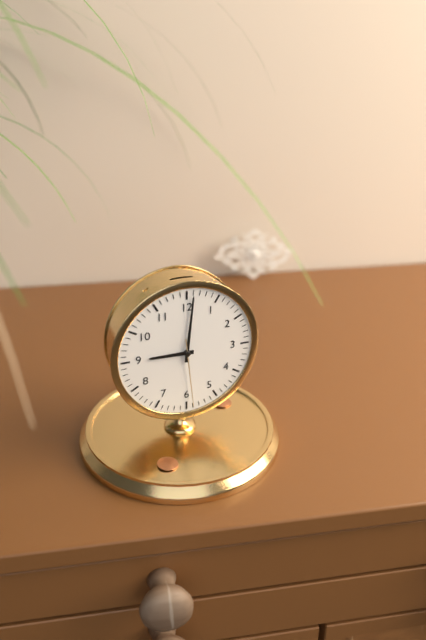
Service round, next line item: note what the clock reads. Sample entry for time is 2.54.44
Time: 9.01.29
